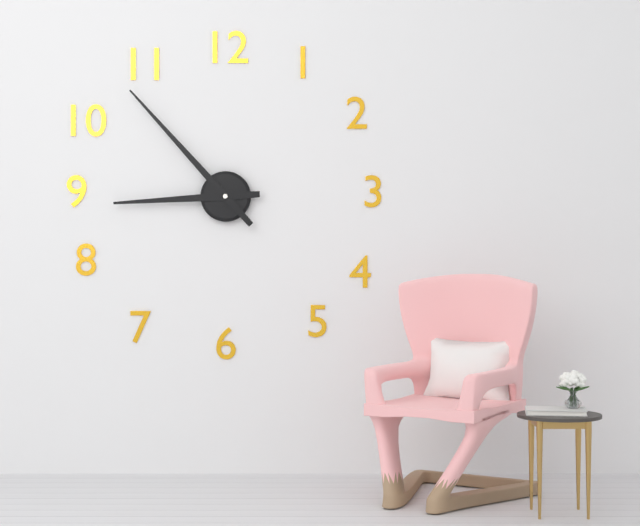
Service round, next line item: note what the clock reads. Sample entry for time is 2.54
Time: 8.53
